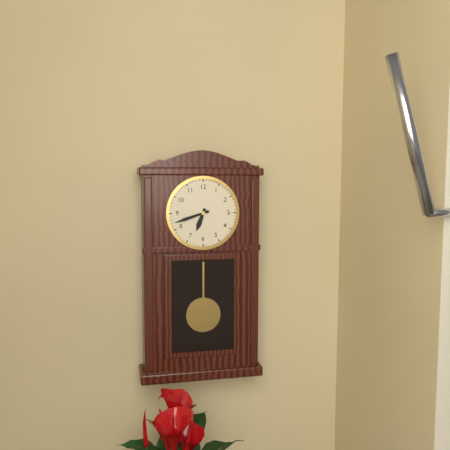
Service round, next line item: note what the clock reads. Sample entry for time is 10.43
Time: 6.42
